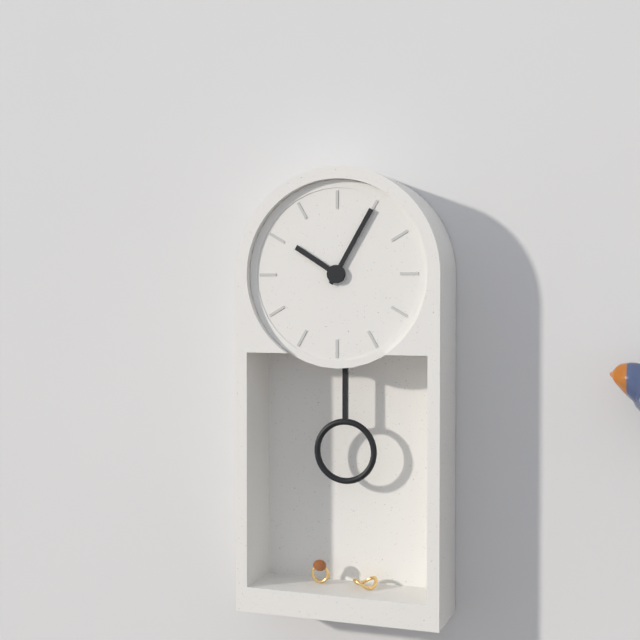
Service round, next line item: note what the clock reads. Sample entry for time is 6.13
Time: 10.05
